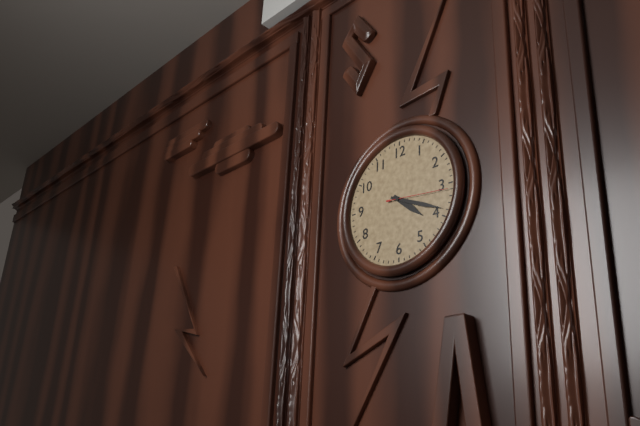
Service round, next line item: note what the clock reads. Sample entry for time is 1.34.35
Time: 4.19.16
